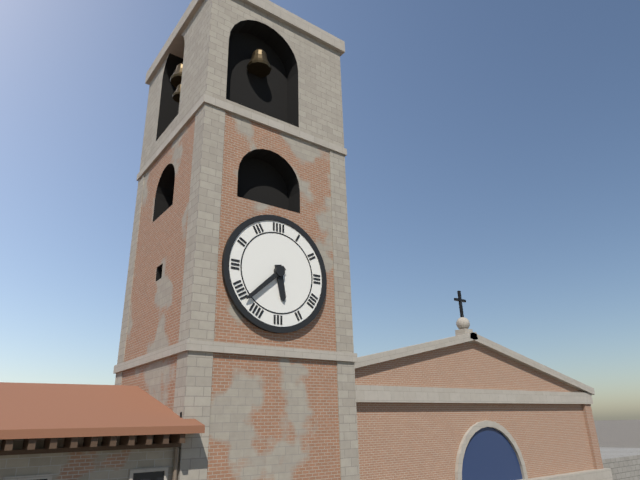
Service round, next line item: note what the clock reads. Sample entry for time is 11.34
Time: 5.38
